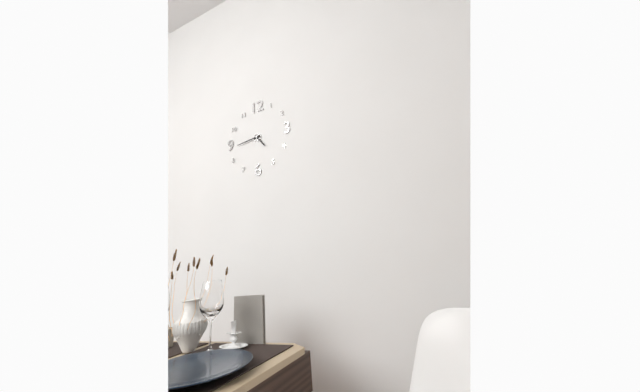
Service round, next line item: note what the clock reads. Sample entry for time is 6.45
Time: 4.44
